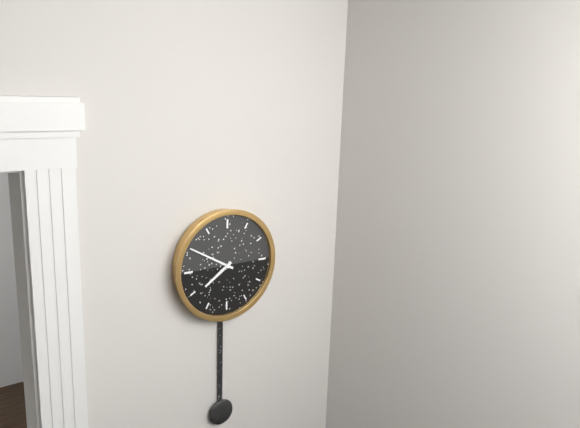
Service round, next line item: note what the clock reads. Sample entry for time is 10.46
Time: 7.50
